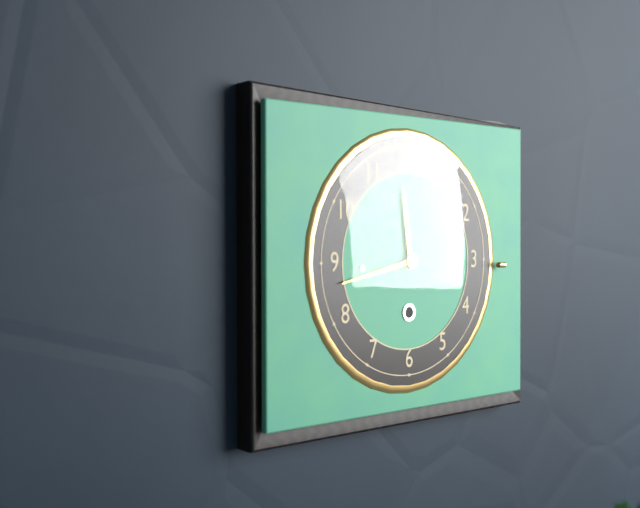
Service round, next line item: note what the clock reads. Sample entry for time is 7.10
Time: 11.43
